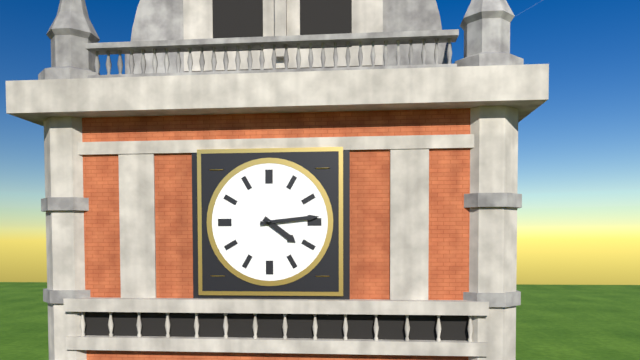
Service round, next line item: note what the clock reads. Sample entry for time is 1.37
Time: 4.14
